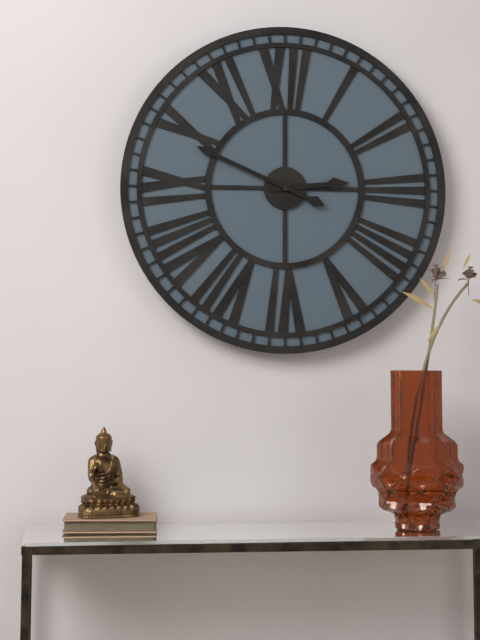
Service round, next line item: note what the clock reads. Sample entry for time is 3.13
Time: 2.49
